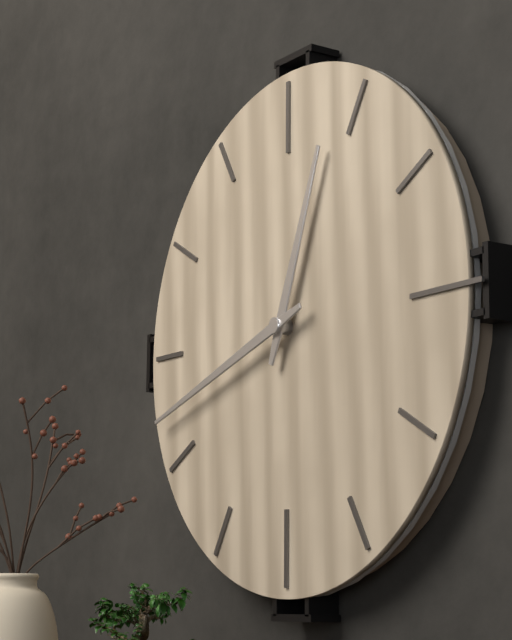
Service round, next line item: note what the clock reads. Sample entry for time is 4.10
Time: 12.42
